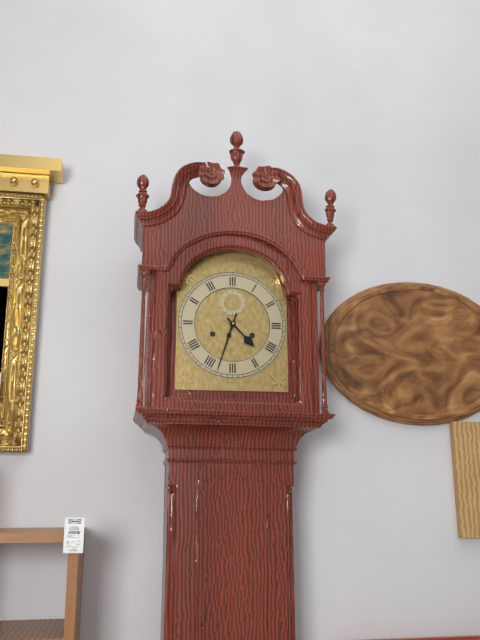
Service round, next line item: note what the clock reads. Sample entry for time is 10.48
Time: 4.33
